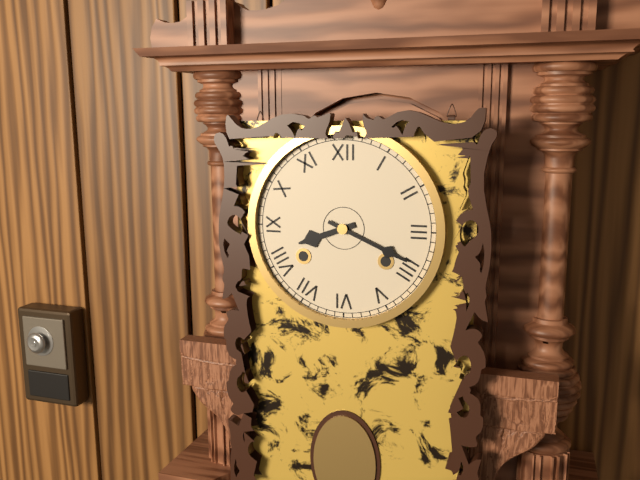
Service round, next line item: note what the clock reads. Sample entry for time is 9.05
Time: 8.19
